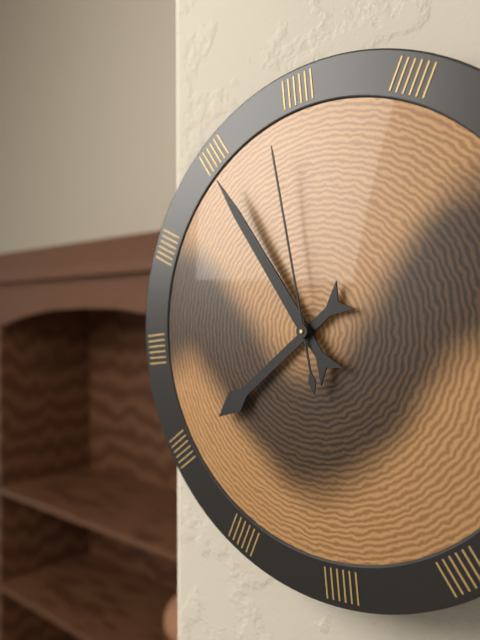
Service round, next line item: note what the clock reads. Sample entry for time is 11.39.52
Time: 7.55.59
